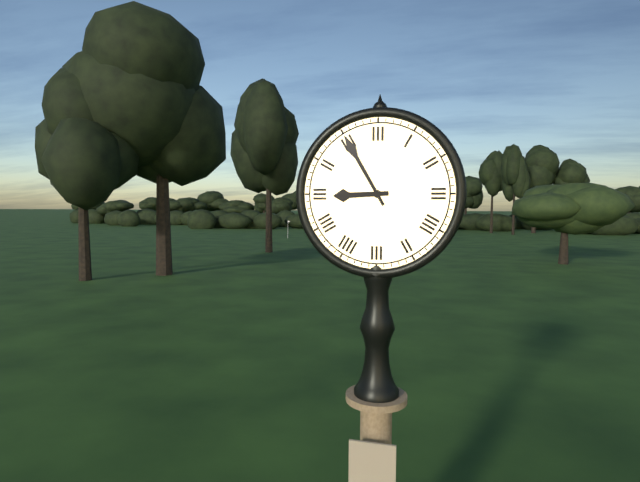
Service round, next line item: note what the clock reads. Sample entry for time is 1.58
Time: 8.55
